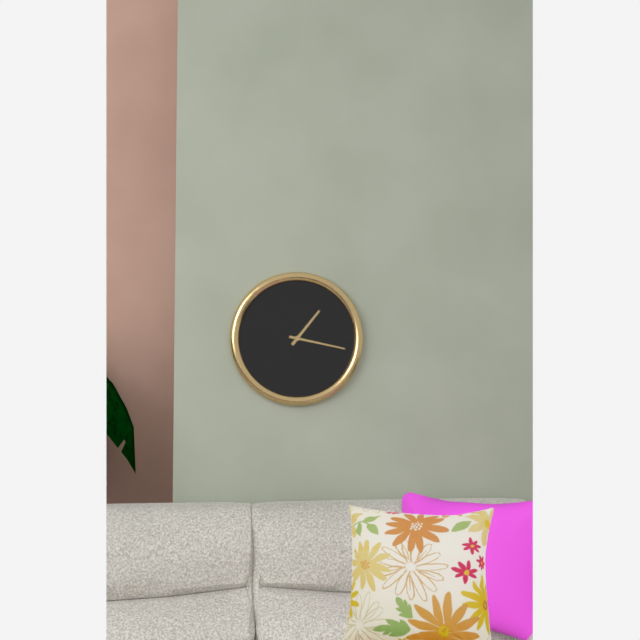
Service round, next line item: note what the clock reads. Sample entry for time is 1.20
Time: 1.17
